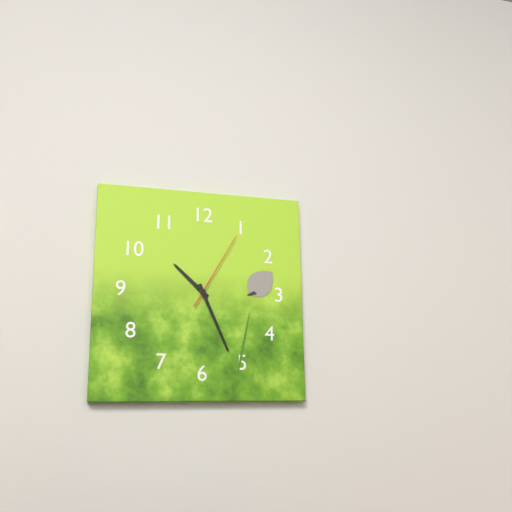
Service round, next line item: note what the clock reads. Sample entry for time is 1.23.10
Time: 10.26.05
